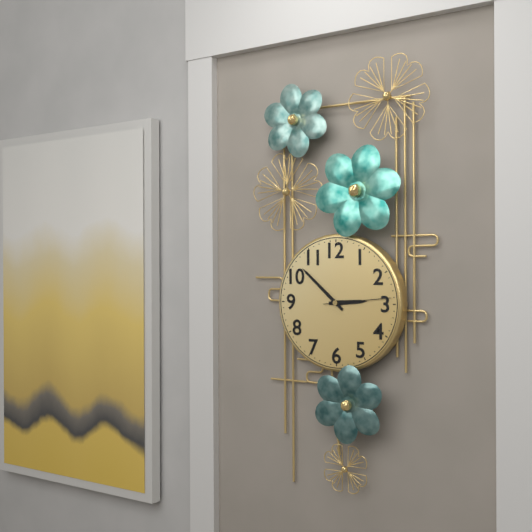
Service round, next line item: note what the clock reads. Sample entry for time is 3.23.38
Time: 2.52.14
